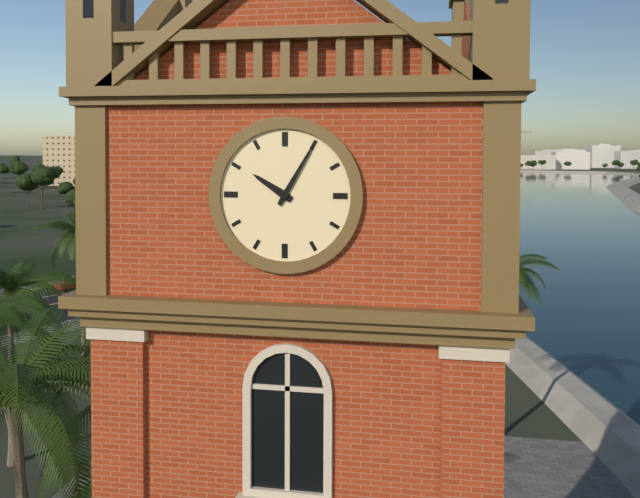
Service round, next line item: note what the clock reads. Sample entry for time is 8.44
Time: 10.05
